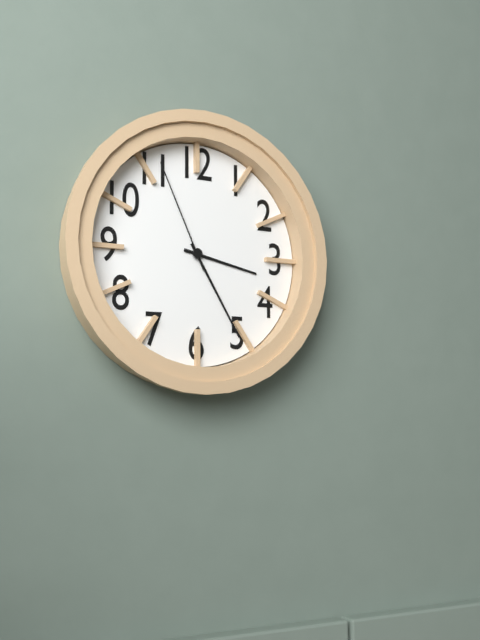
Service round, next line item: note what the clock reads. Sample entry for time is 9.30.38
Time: 3.25.56
